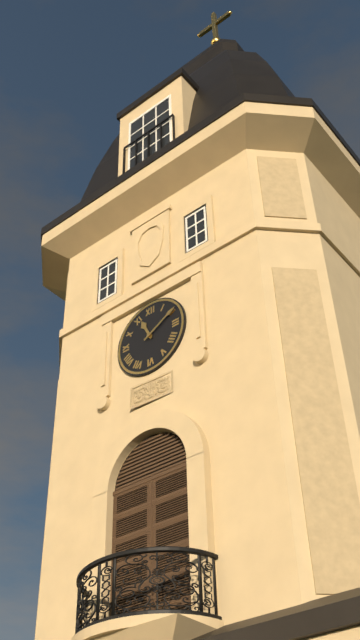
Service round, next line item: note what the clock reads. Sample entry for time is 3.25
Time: 11.10
